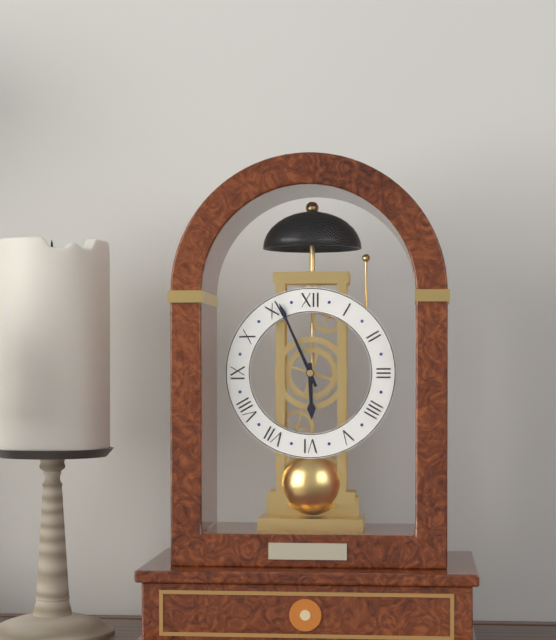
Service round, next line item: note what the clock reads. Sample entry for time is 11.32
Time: 5.56
